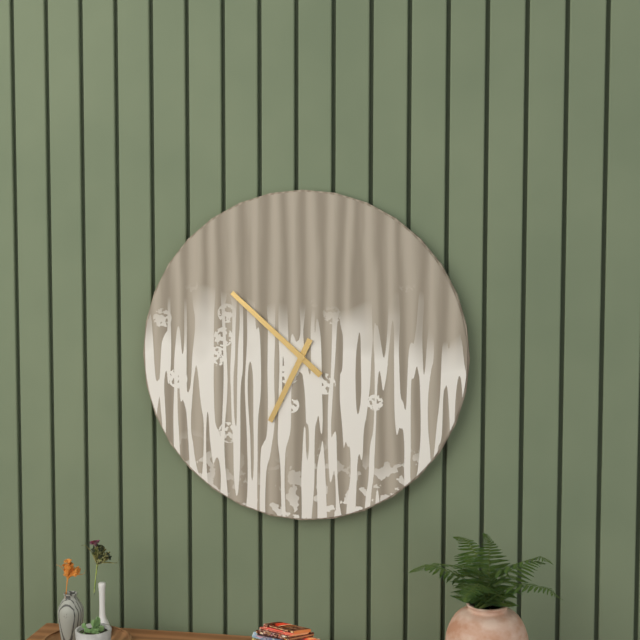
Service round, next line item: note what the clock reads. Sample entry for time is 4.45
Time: 6.52
